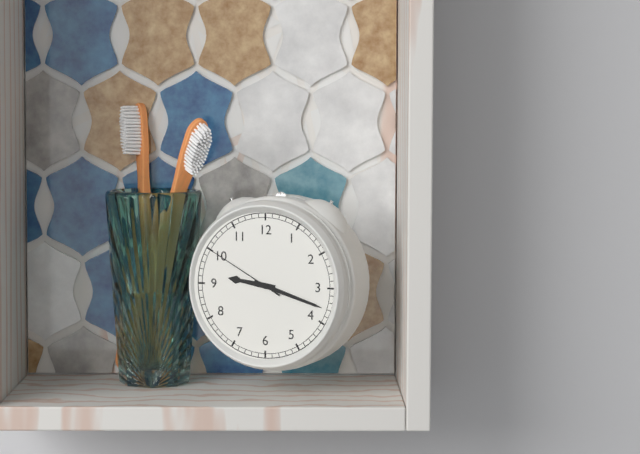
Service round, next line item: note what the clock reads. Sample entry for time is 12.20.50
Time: 9.18.50
